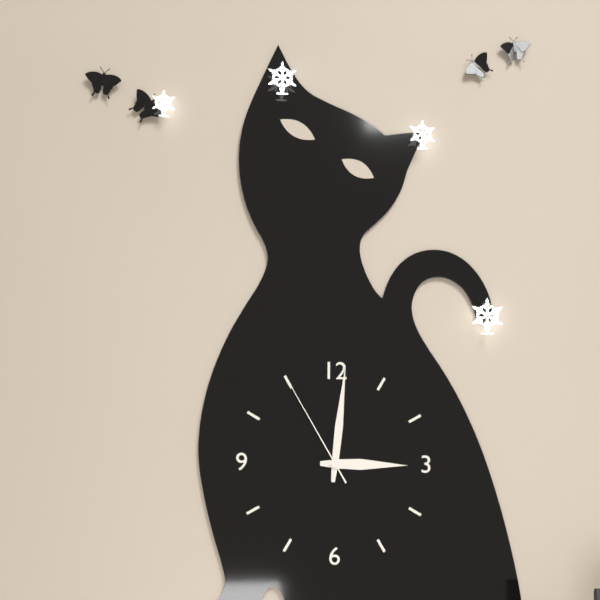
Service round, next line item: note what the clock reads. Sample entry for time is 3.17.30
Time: 3.01.55
